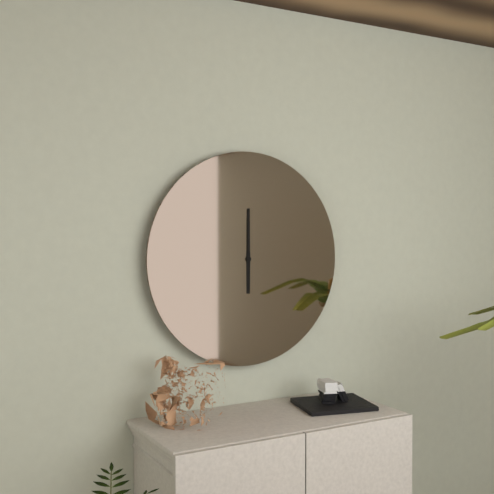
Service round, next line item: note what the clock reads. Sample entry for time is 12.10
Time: 6.00
